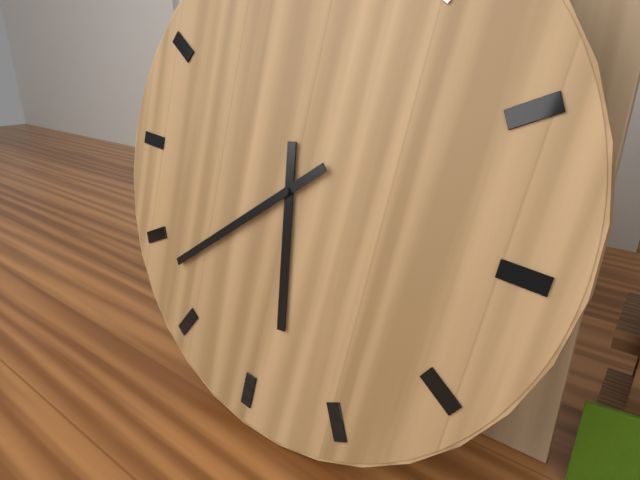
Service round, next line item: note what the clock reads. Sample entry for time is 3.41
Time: 5.38
